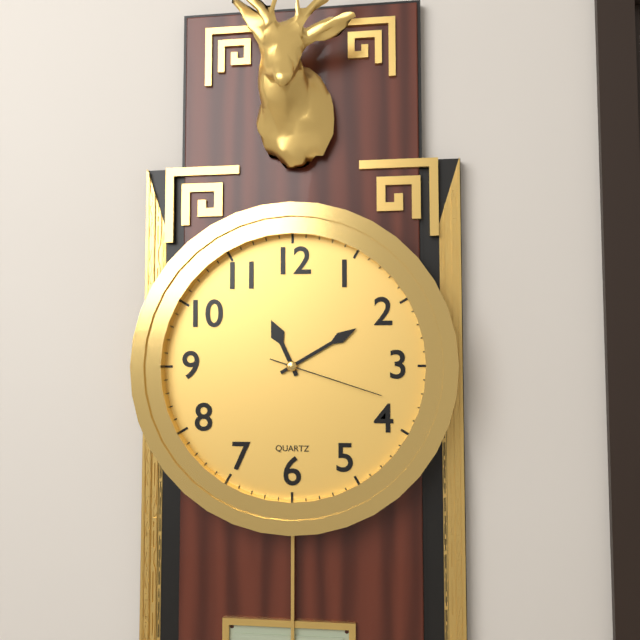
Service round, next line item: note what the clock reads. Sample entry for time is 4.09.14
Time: 11.10.18
